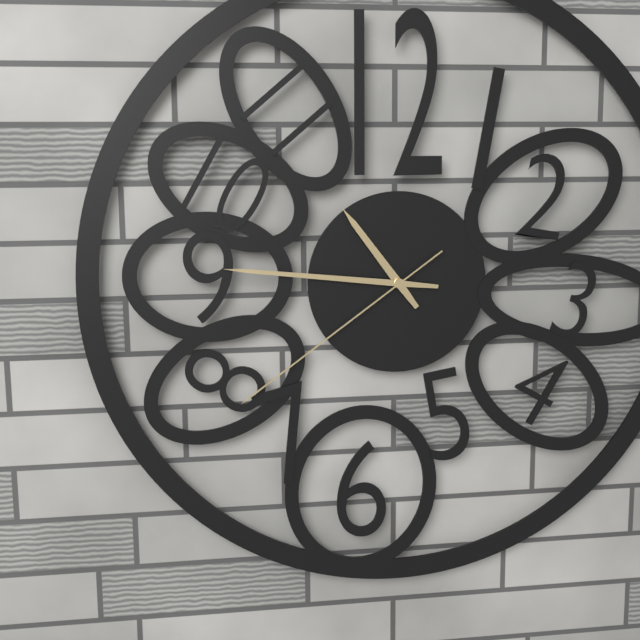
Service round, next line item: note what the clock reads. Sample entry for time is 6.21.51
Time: 10.46.39
